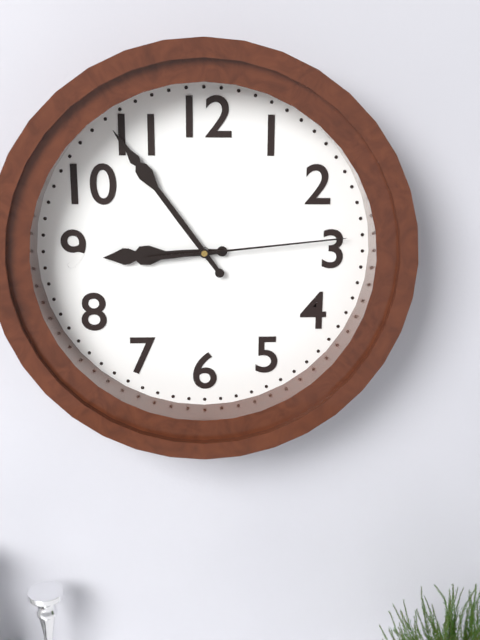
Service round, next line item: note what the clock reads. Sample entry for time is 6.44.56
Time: 8.54.14
